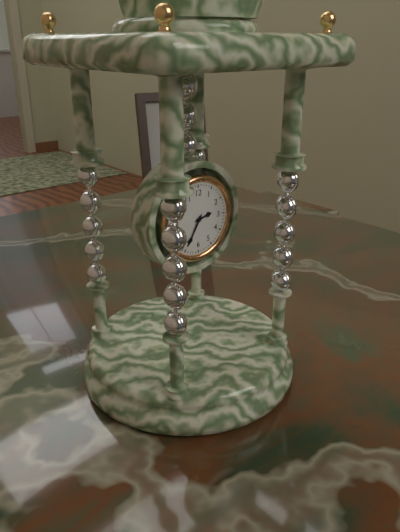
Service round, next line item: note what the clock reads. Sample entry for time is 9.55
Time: 2.35
